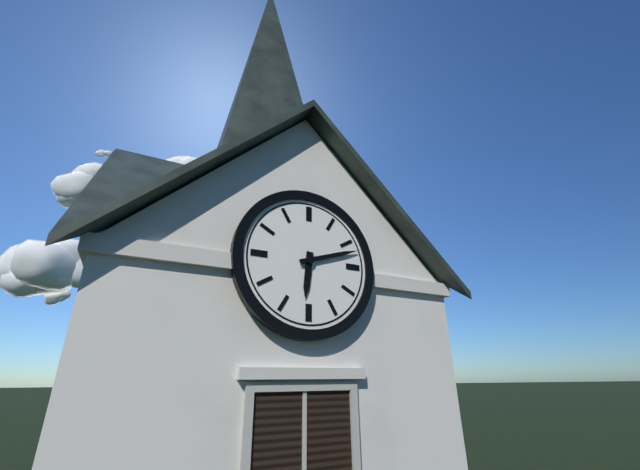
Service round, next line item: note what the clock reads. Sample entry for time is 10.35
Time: 6.12
